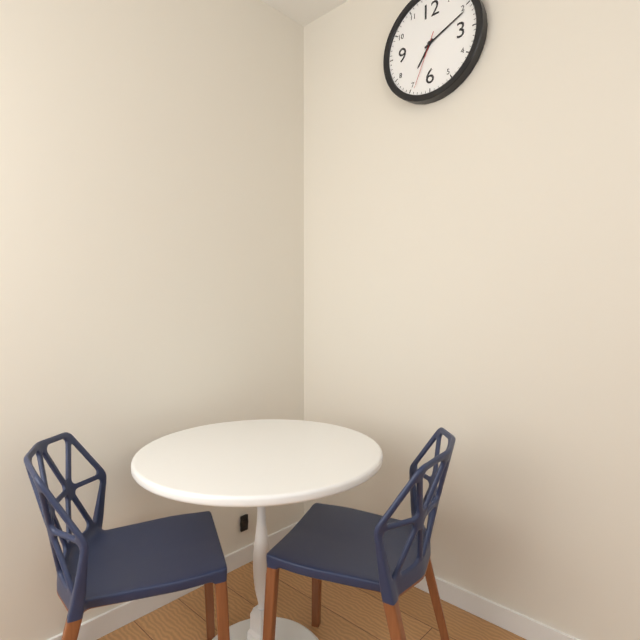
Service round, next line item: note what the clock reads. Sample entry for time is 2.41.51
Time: 7.11.34
